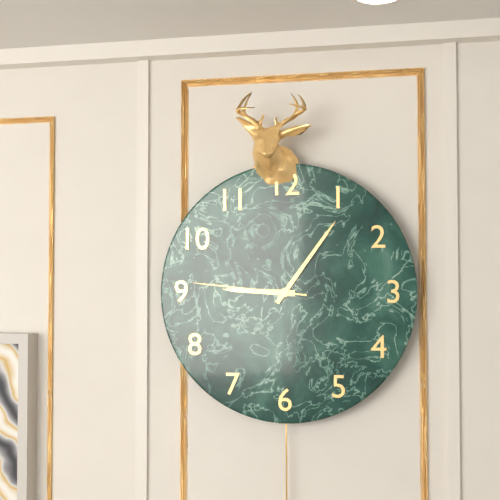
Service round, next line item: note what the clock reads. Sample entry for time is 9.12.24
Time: 9.06.46
